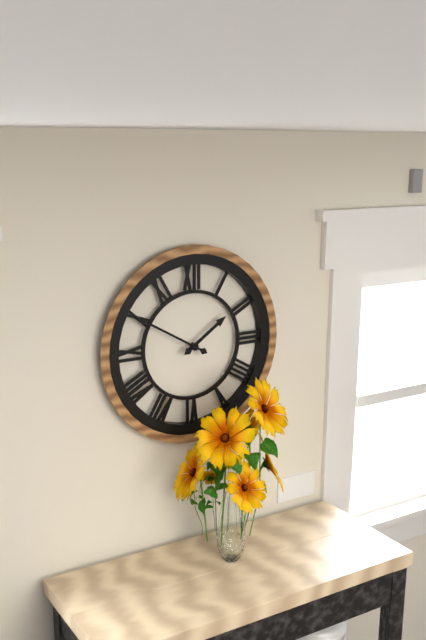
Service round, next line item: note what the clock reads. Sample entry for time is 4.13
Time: 1.50
